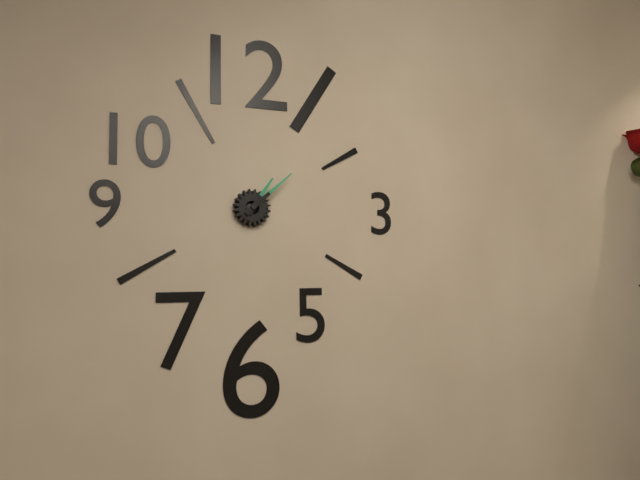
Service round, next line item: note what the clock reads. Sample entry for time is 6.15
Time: 1.08
